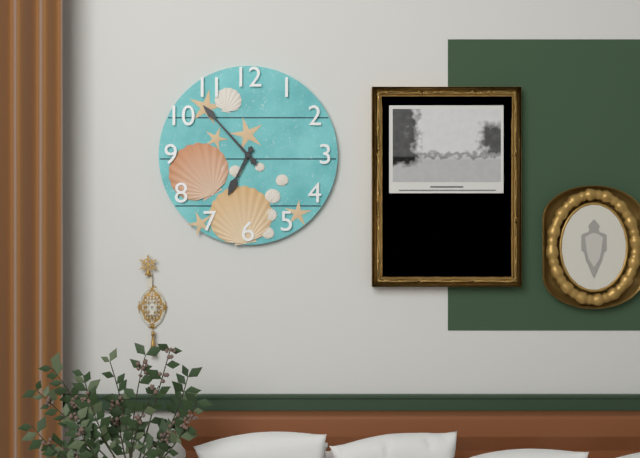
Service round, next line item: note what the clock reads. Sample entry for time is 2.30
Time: 6.53
